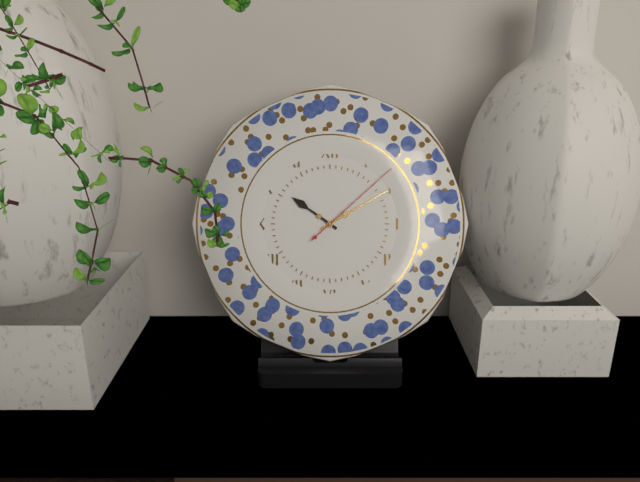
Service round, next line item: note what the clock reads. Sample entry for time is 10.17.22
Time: 10.10.08
